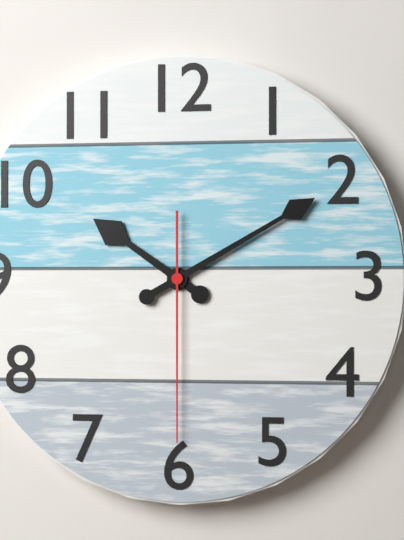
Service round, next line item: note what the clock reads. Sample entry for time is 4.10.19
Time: 10.10.30
